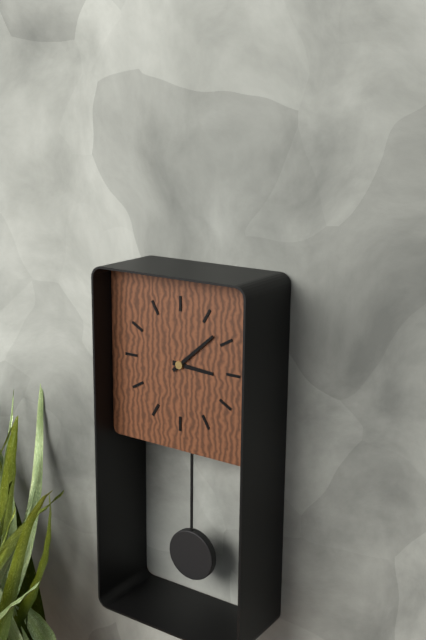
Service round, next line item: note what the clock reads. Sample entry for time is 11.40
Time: 3.08
